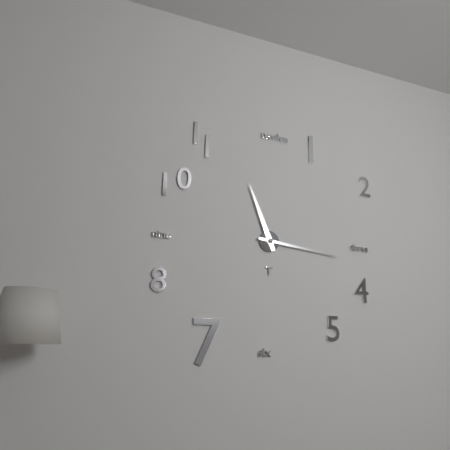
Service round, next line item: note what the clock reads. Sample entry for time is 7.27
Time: 11.16
